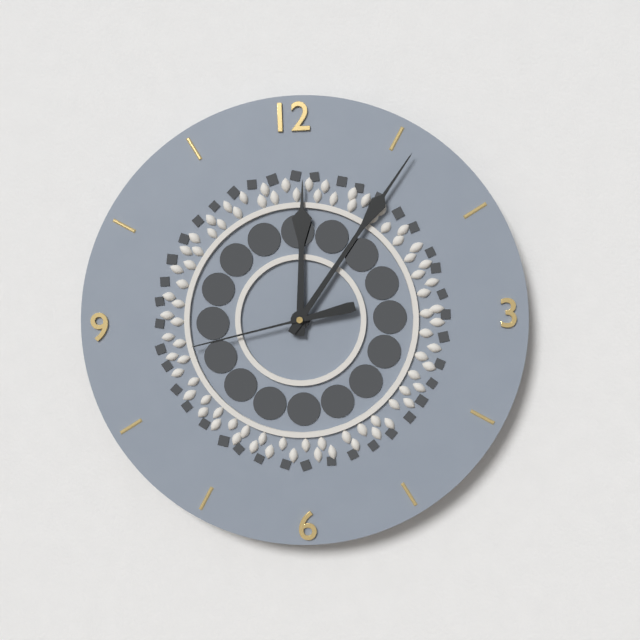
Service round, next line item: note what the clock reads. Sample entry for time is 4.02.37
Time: 12.06.43
